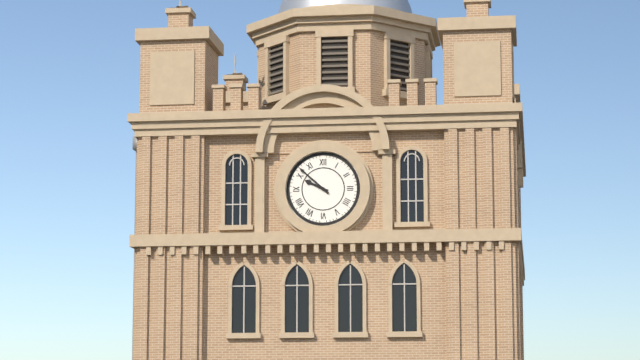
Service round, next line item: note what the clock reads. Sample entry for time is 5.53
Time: 9.52
